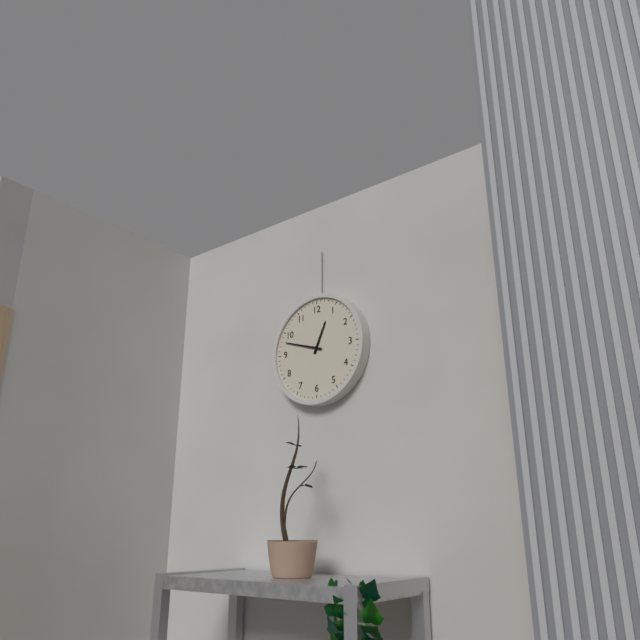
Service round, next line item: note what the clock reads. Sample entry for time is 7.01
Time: 12.48
